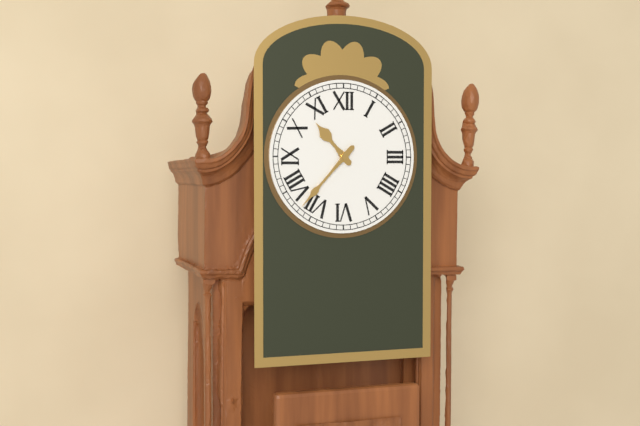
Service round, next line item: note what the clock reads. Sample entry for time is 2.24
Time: 10.37
